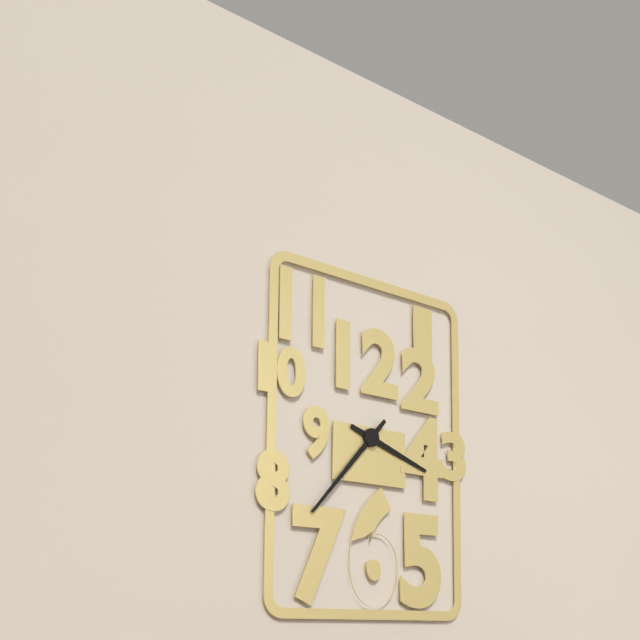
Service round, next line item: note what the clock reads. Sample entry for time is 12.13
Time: 3.37
